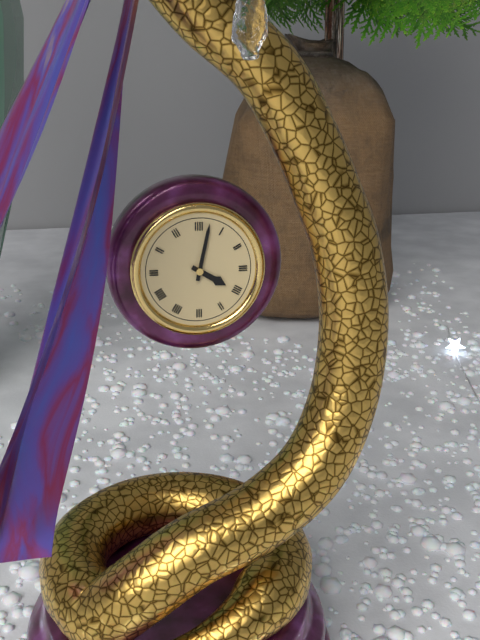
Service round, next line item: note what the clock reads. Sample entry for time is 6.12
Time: 4.02
